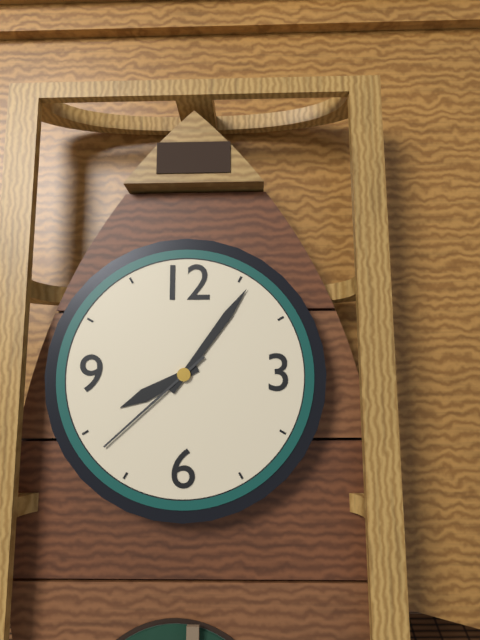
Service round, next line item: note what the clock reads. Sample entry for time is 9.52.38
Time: 8.06.38
